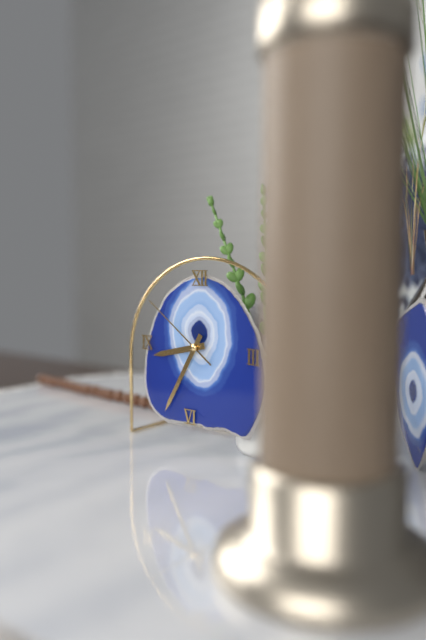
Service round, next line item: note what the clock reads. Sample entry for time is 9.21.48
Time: 8.35.51
